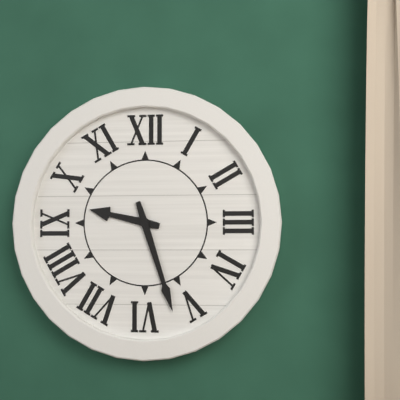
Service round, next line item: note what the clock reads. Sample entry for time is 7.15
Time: 9.27
